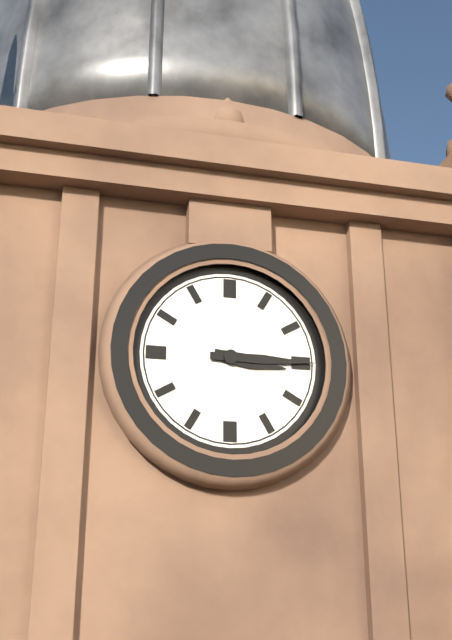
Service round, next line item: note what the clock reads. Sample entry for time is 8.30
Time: 3.15
